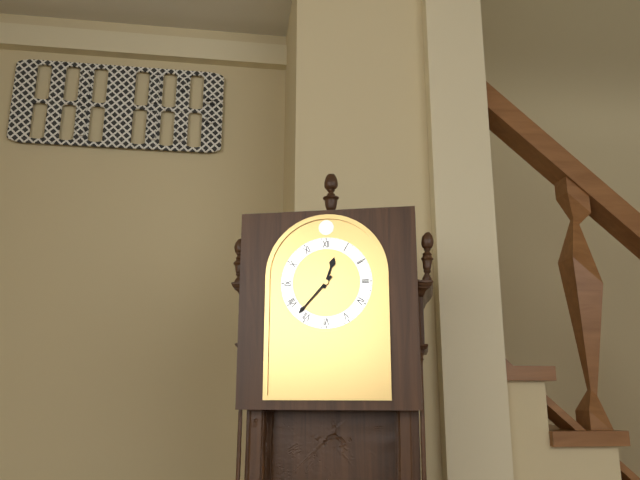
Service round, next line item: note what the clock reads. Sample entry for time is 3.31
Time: 12.37
